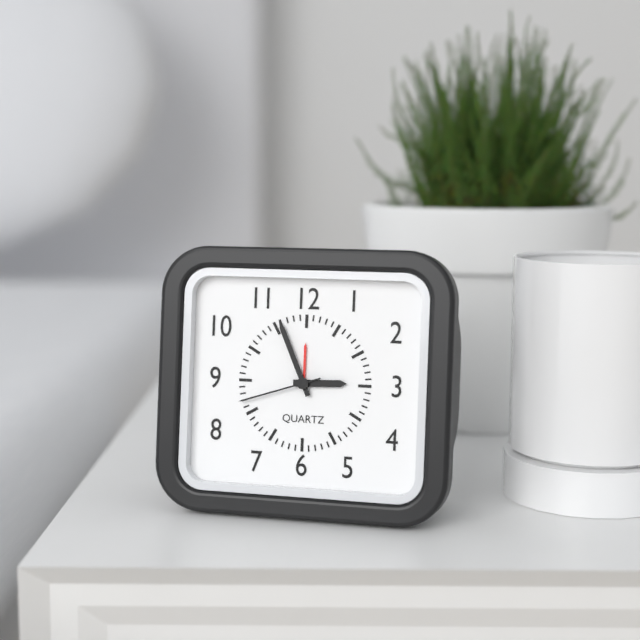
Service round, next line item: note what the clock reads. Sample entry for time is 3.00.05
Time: 2.56.42
